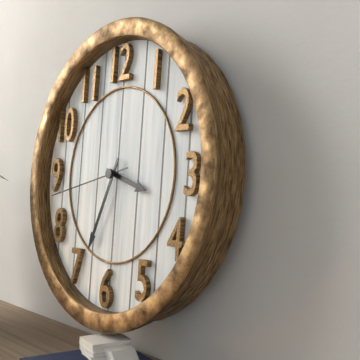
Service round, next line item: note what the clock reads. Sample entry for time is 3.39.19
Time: 3.34.43
